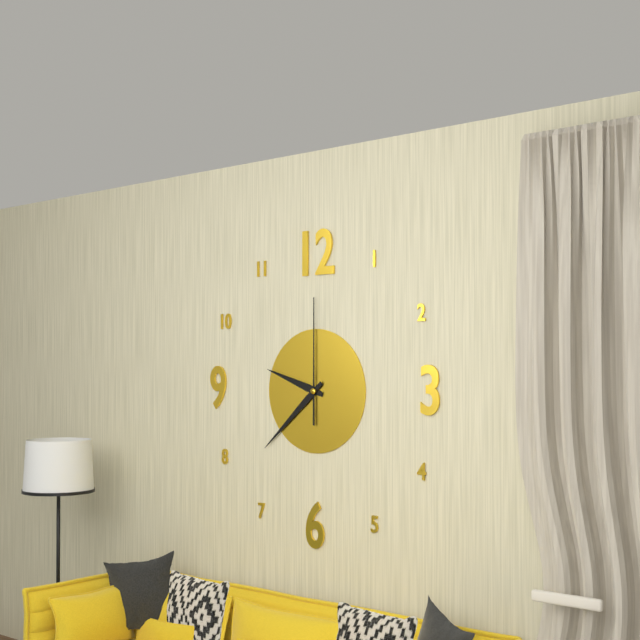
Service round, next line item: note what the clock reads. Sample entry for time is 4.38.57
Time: 9.38.00
